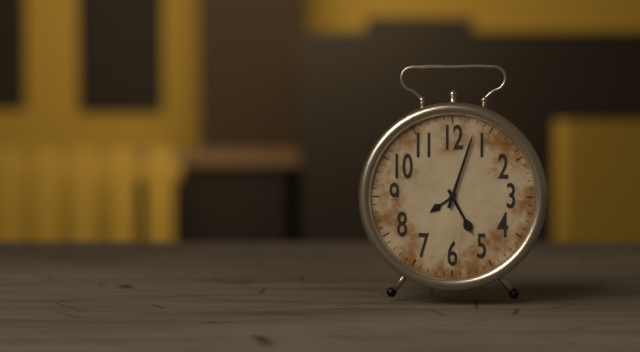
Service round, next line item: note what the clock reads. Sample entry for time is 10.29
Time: 5.03
